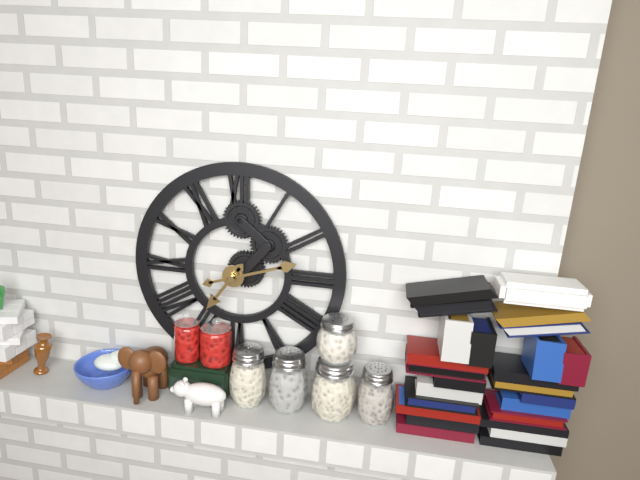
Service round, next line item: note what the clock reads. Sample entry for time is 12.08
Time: 7.12
